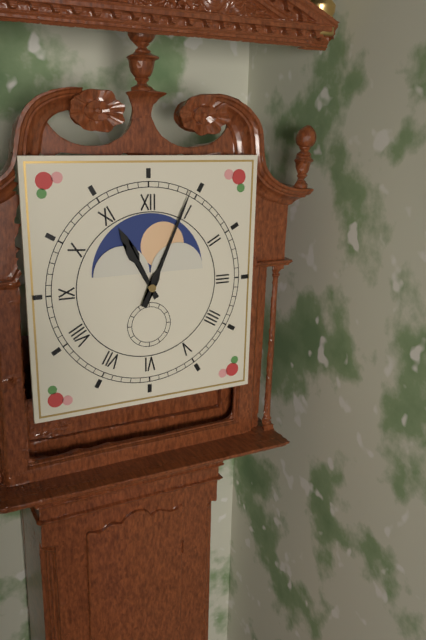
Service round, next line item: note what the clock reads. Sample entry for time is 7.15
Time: 11.04
